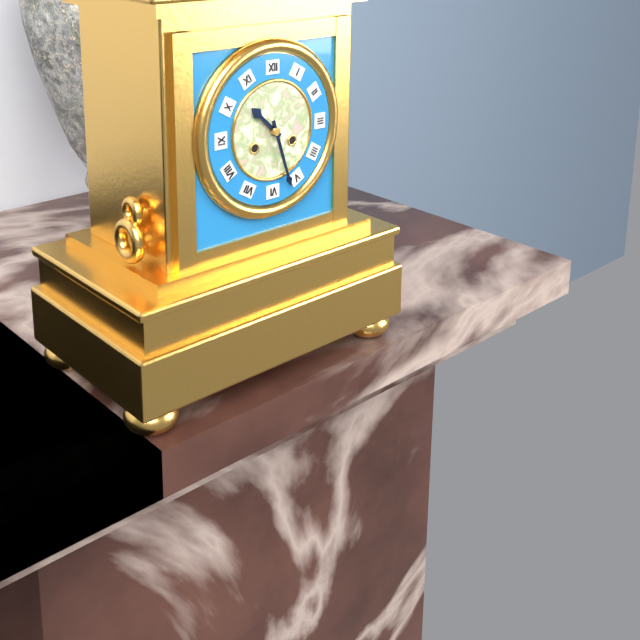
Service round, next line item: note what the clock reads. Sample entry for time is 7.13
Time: 10.27
